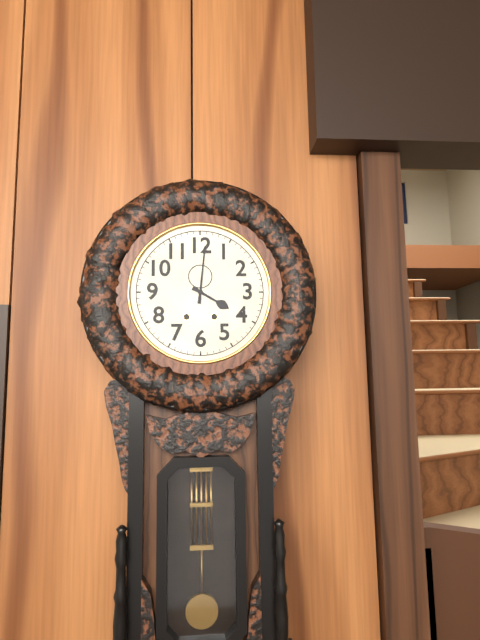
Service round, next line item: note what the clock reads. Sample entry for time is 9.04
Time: 4.01
